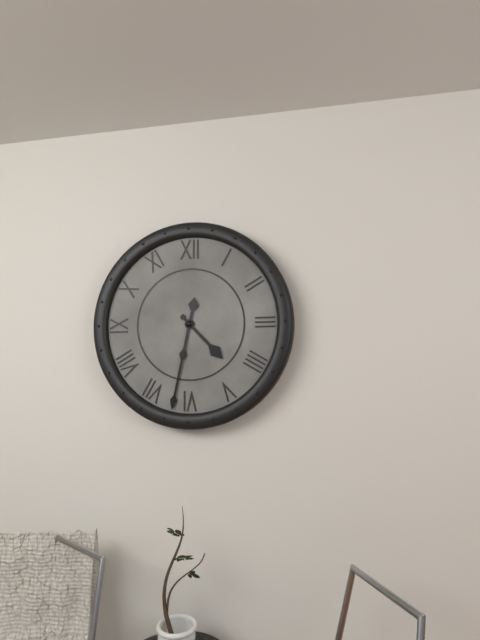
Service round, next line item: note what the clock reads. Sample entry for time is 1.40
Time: 4.32
